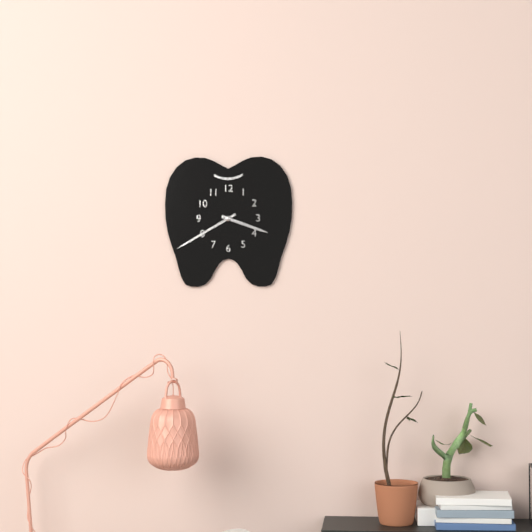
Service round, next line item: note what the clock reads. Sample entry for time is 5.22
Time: 3.40
